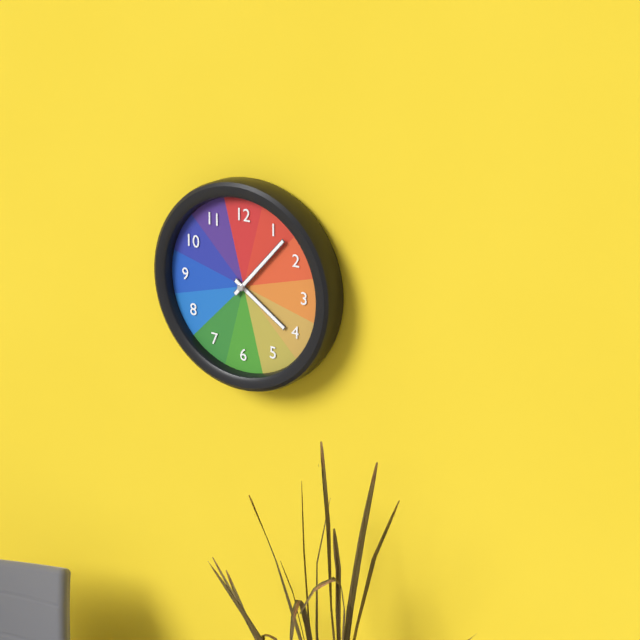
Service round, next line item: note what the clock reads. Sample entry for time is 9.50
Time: 4.07
